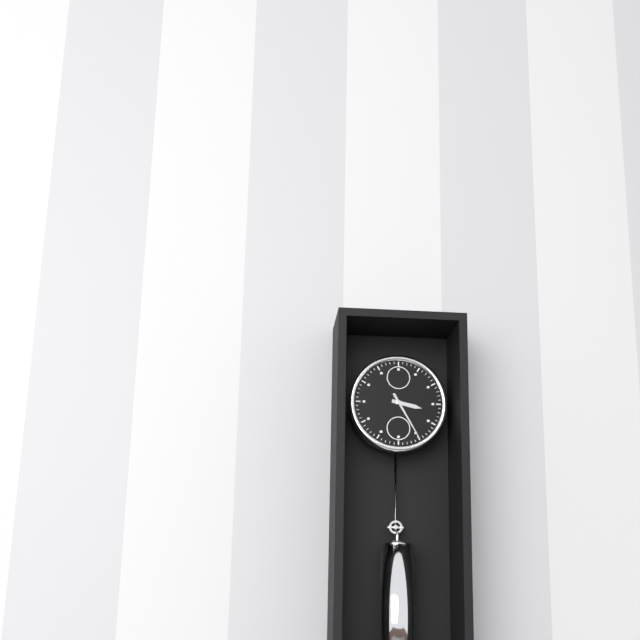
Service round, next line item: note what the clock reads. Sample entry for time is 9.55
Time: 3.25
